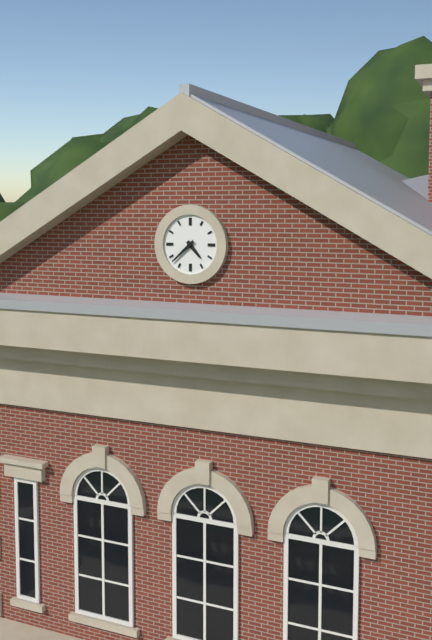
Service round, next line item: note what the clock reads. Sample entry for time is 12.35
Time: 4.38
